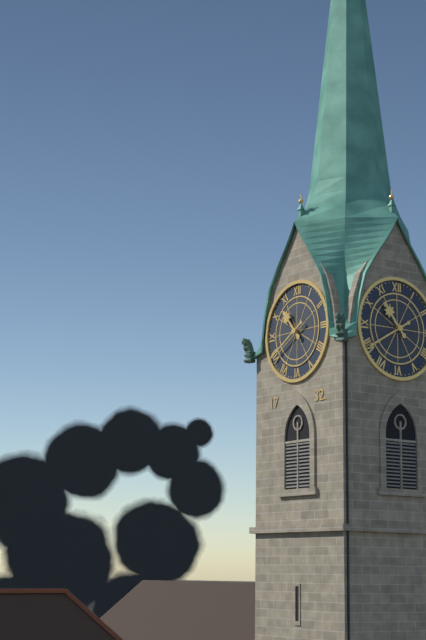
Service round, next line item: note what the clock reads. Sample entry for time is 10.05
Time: 10.40
